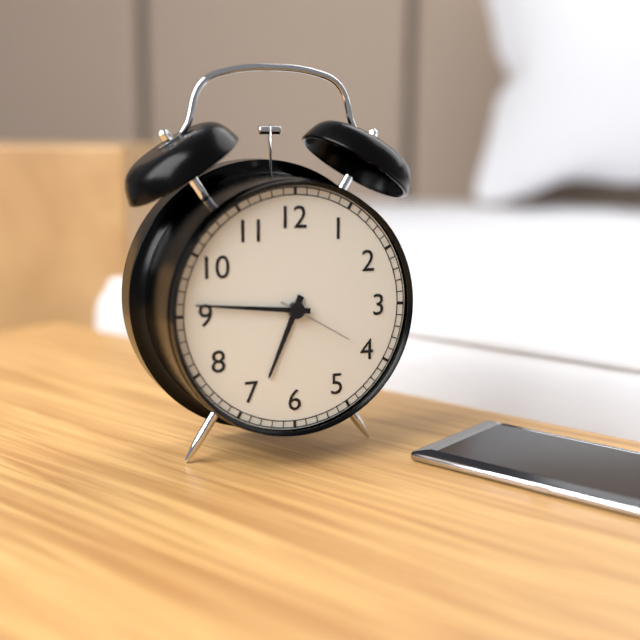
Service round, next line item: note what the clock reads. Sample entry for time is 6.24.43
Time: 6.46.20
